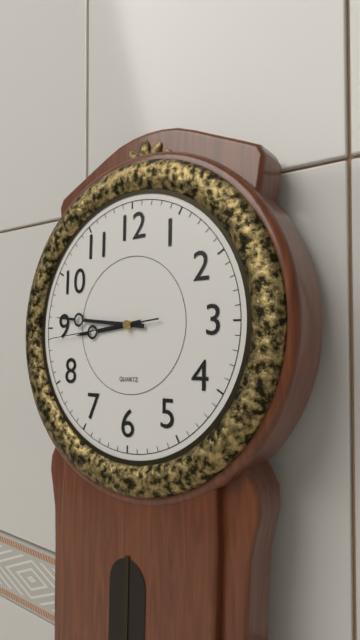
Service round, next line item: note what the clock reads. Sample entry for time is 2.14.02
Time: 8.46.44
